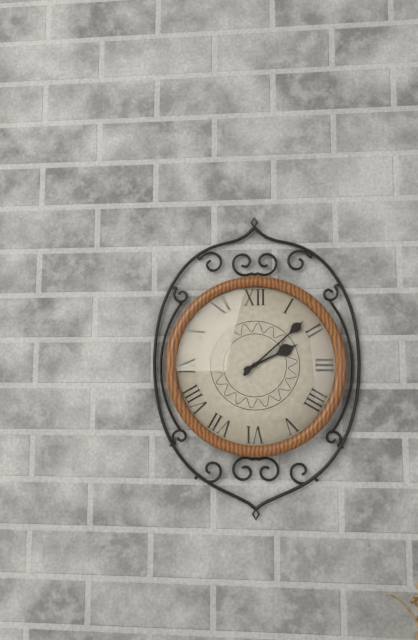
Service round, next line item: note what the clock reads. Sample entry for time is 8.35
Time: 2.08
